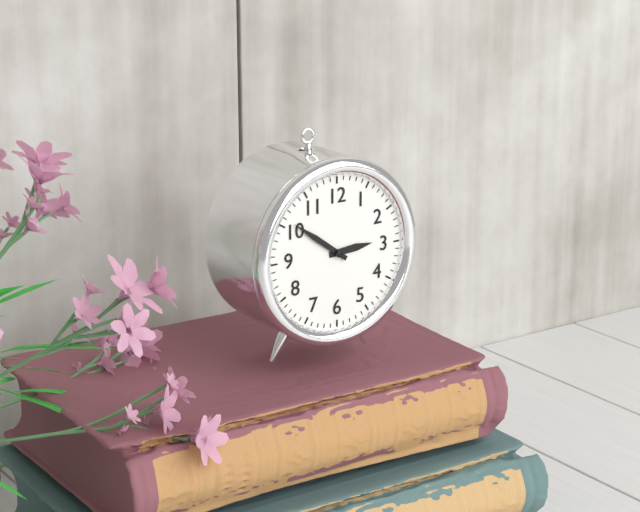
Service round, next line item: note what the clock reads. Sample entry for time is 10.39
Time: 2.51
